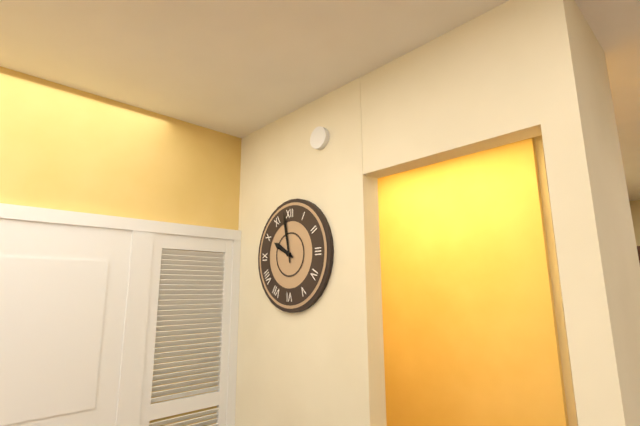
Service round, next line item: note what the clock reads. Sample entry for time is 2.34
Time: 9.58
